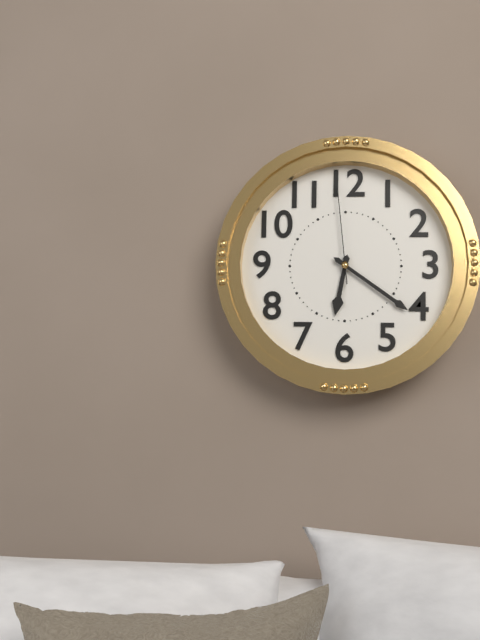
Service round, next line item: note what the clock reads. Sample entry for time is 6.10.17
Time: 6.21.59
